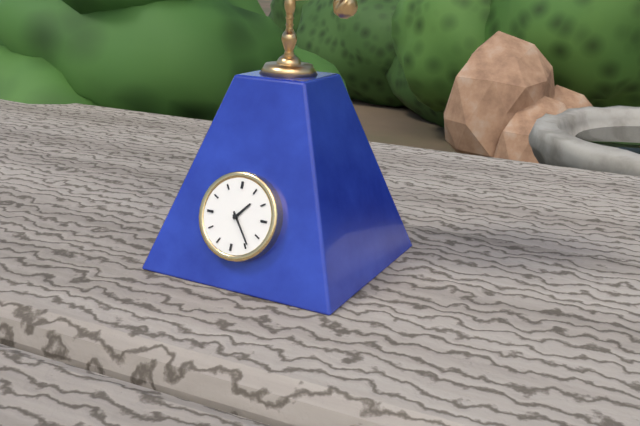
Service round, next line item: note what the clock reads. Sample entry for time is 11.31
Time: 1.24
